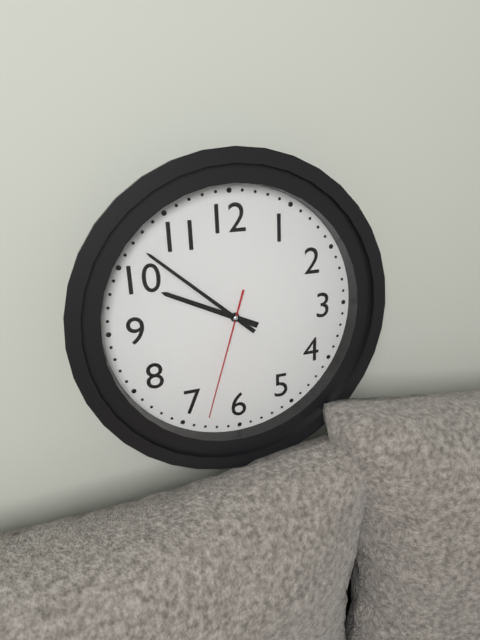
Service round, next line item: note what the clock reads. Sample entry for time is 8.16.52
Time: 9.52.33
